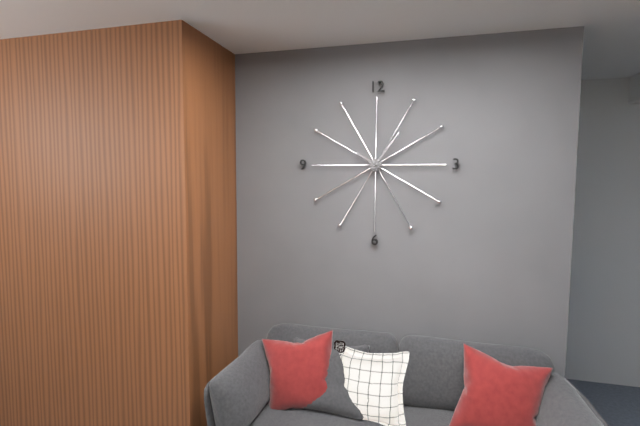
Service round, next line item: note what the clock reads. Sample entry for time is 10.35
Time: 10.06
